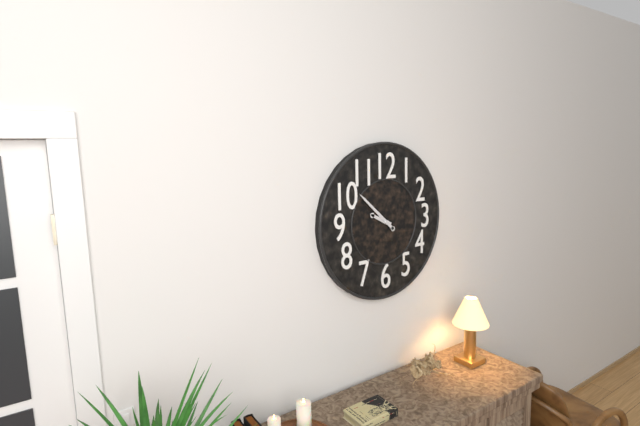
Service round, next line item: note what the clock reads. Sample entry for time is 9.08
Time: 9.52
